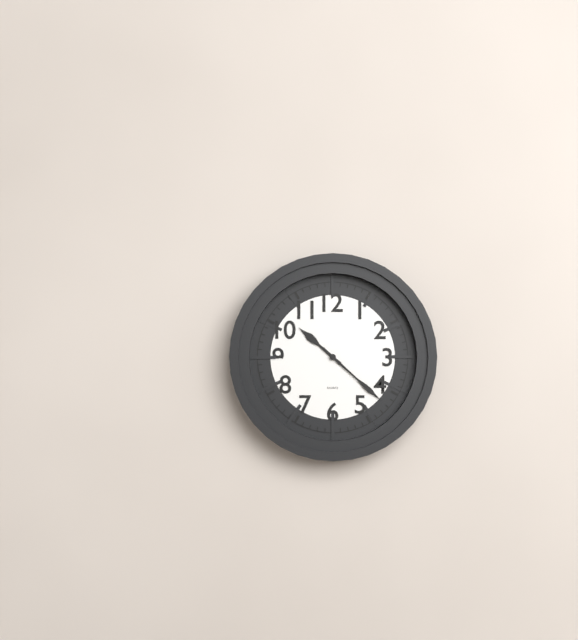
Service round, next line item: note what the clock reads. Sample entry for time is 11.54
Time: 10.22
